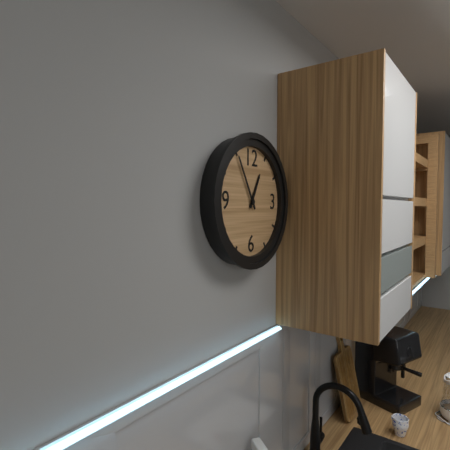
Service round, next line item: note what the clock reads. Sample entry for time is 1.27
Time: 12.55
